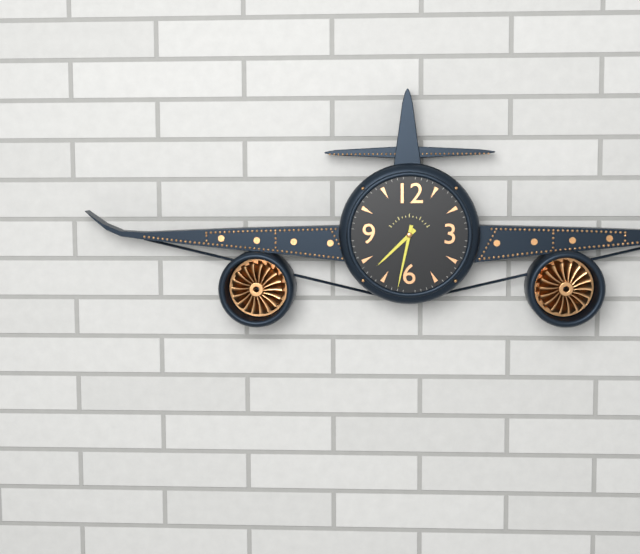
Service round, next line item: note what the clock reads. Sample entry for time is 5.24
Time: 7.32
